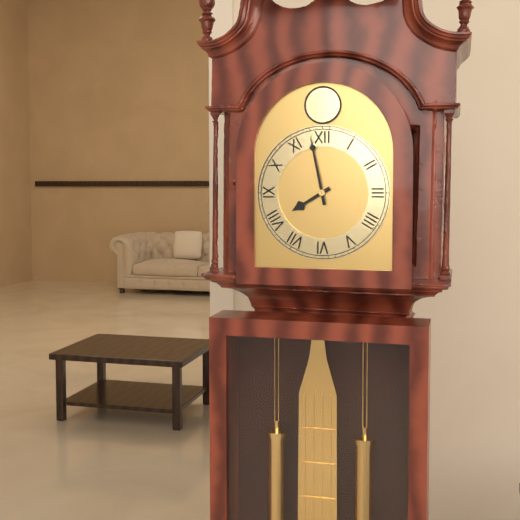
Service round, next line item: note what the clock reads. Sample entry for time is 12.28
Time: 7.58
